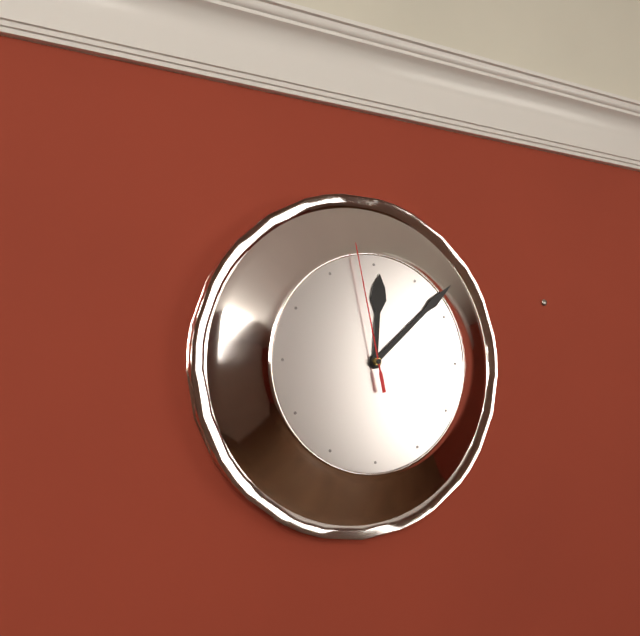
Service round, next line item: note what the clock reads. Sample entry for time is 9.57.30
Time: 12.08.58
